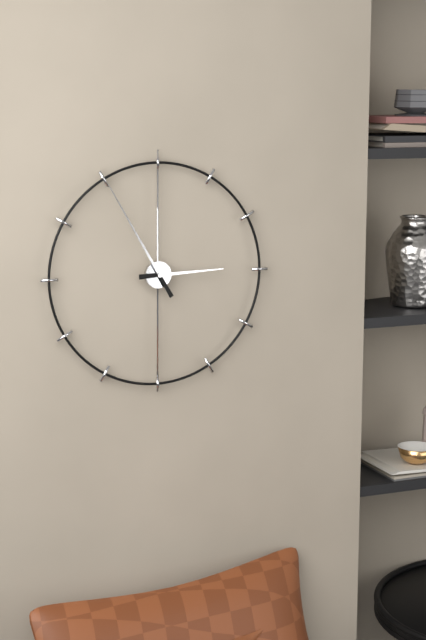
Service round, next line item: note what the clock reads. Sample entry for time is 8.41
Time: 2.55
